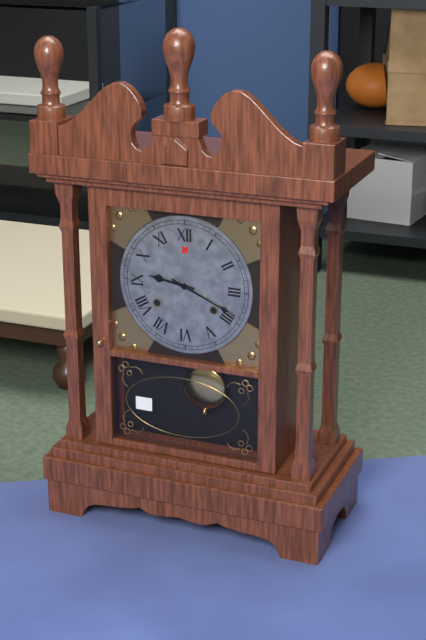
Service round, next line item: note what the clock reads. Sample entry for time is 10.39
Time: 9.19
